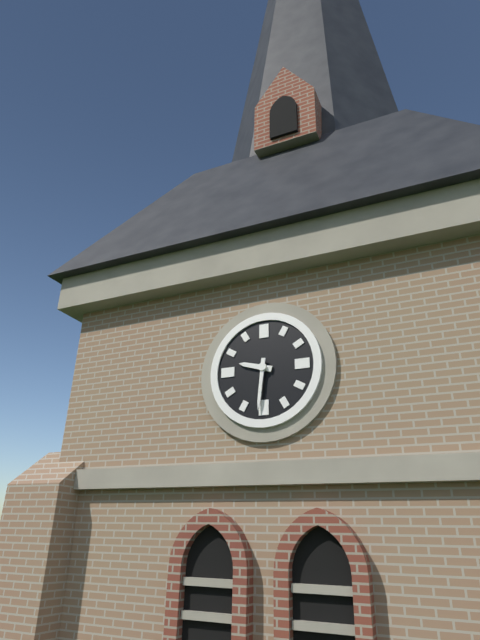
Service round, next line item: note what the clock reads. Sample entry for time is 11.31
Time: 9.31
